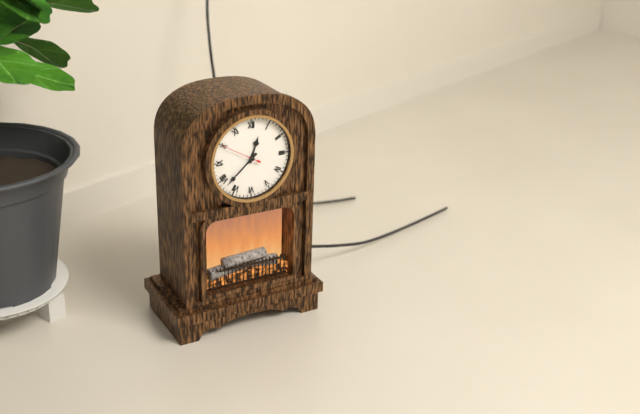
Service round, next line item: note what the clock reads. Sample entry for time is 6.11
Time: 12.38
